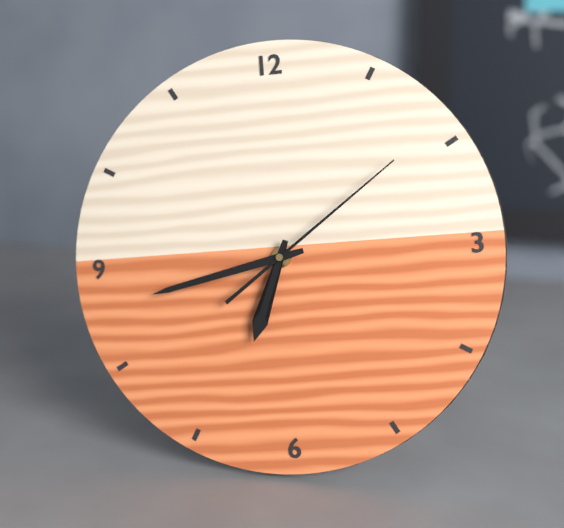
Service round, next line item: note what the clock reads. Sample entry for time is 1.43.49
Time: 6.43.09
